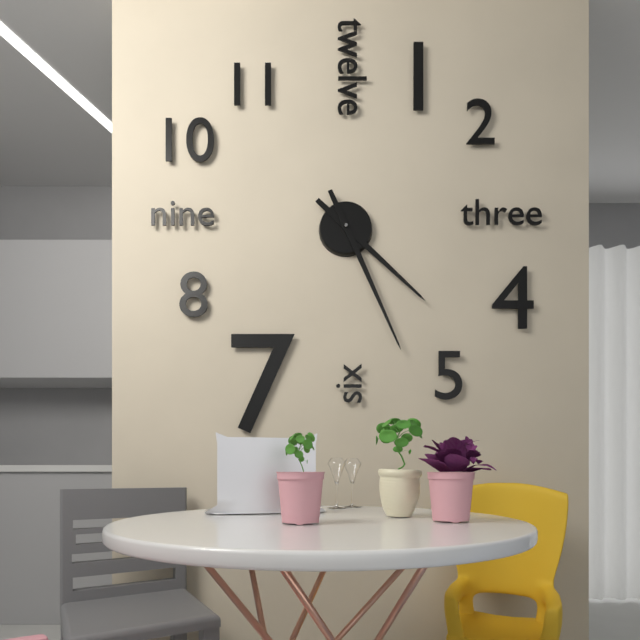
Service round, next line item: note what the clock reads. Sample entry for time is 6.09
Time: 4.26
